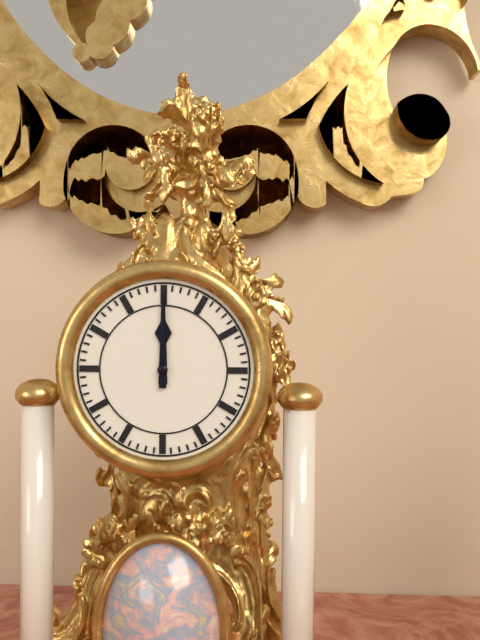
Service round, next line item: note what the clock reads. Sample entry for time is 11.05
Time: 12.00
